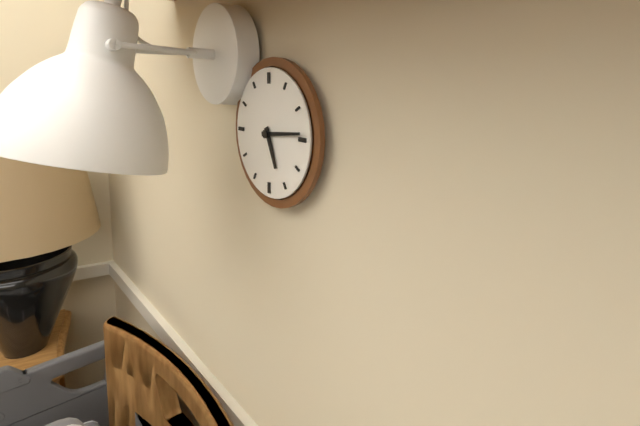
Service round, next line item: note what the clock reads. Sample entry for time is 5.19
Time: 5.14
